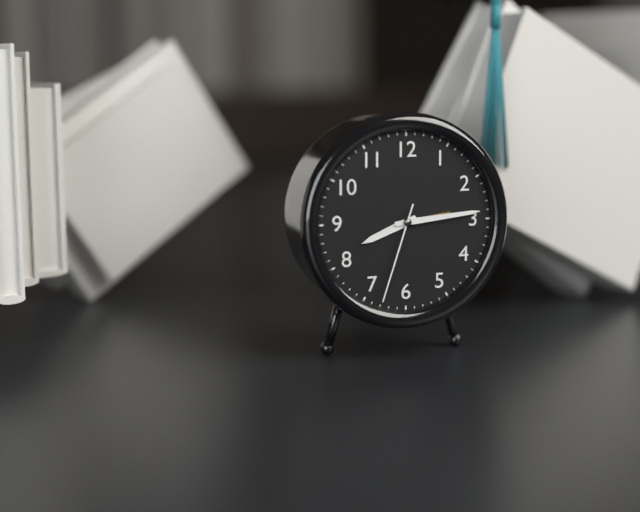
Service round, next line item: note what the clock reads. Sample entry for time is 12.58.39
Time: 8.14.33
